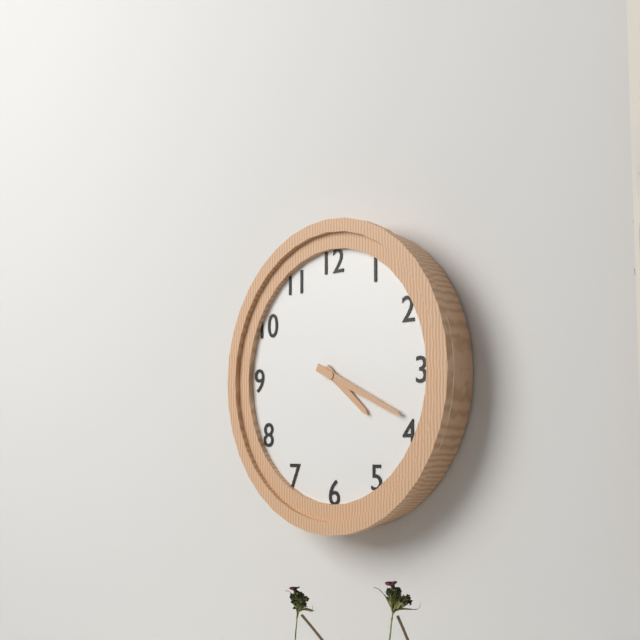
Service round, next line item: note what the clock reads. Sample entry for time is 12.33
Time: 4.19
